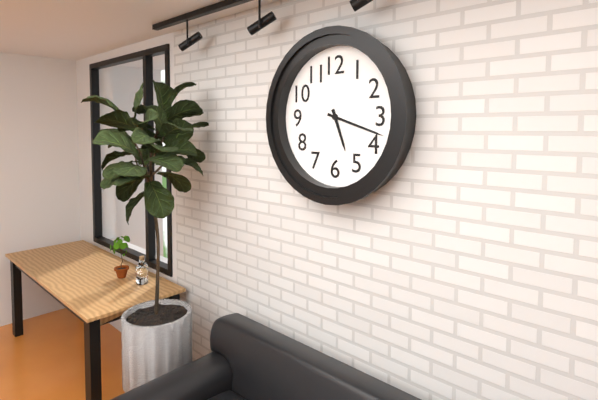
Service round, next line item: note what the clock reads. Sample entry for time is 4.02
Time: 5.18
